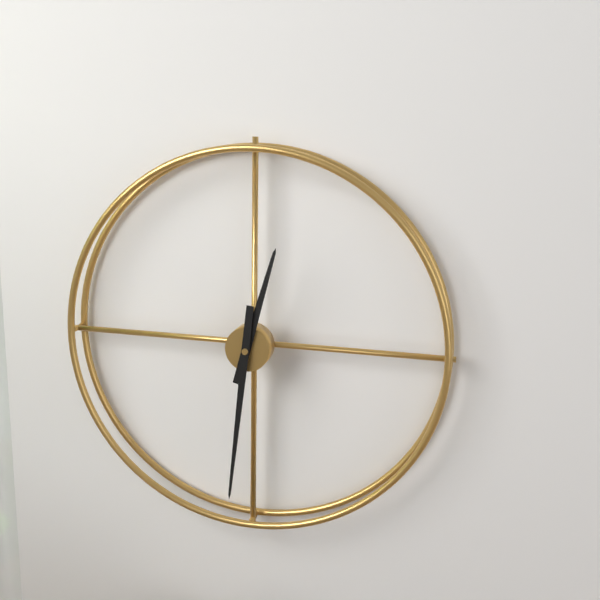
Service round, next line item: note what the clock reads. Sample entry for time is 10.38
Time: 12.31
